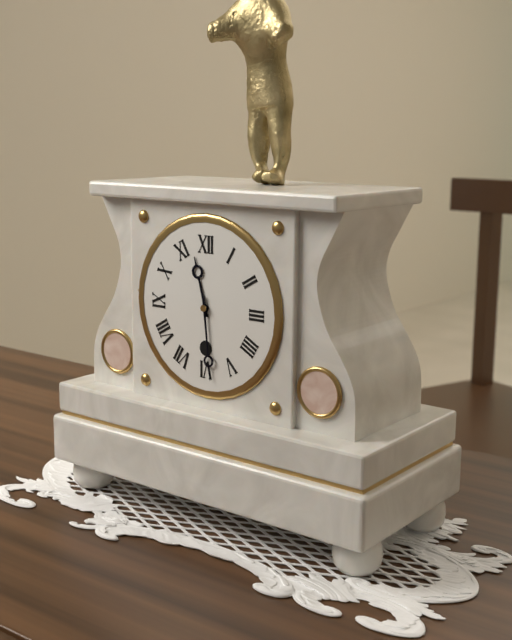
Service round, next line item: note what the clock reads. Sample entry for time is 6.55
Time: 11.29
